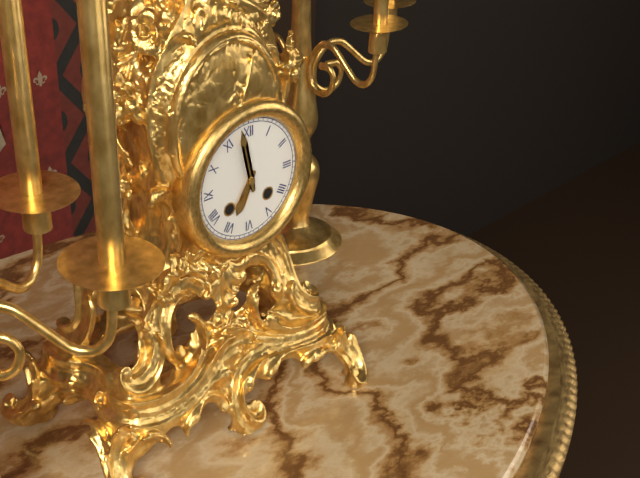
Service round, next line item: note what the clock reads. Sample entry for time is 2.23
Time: 6.58
